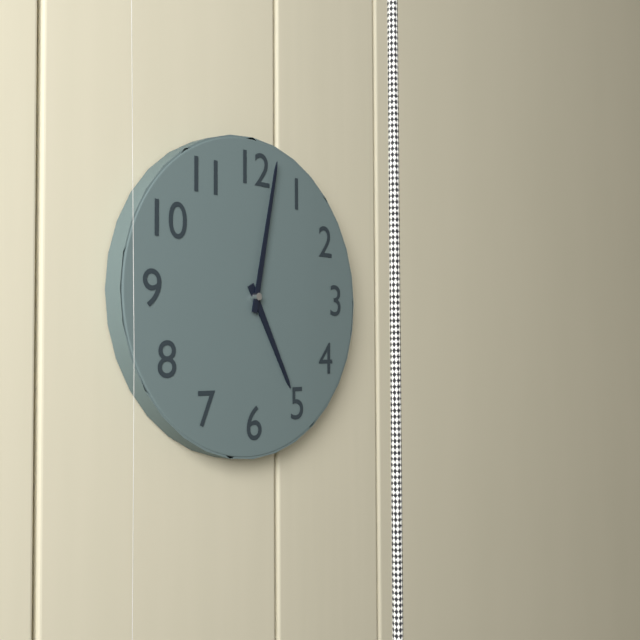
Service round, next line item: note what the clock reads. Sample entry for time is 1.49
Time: 5.02
